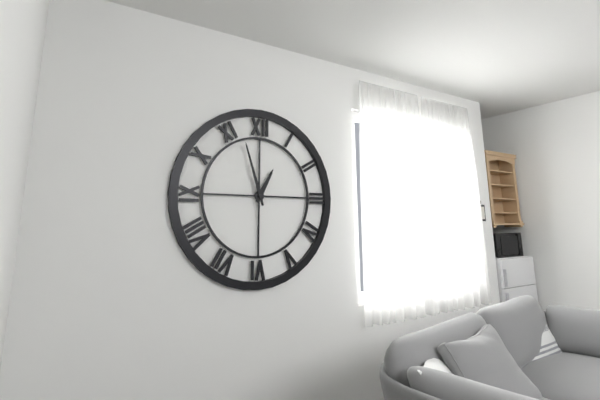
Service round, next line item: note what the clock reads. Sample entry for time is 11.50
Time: 12.57
